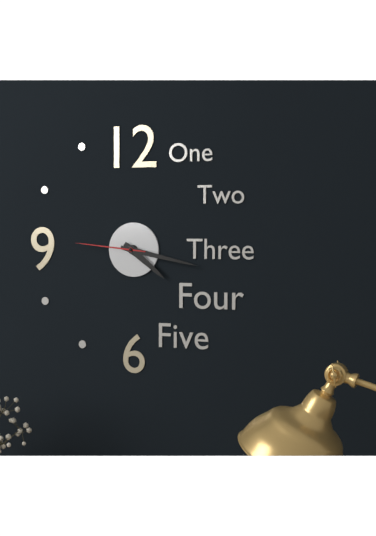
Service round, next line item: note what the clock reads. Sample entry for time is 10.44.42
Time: 4.17.46
